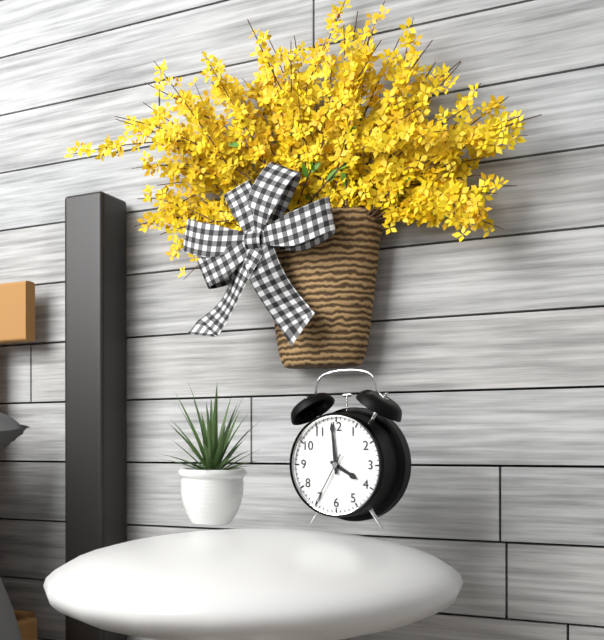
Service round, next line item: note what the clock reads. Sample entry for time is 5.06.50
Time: 3.59.35
